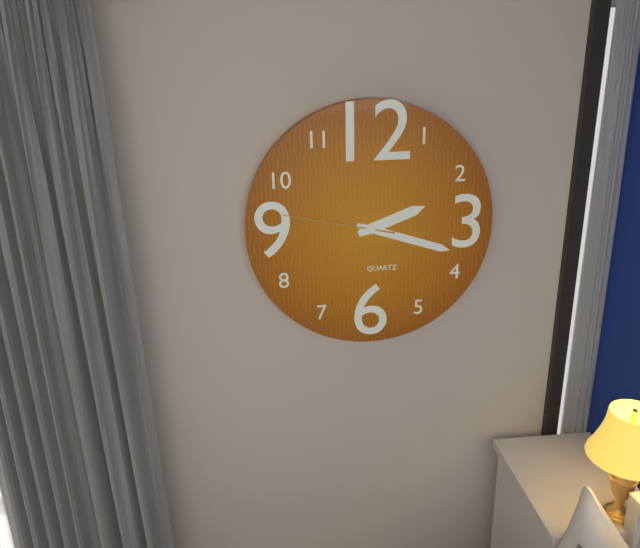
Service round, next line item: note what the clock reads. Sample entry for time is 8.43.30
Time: 2.18.47
